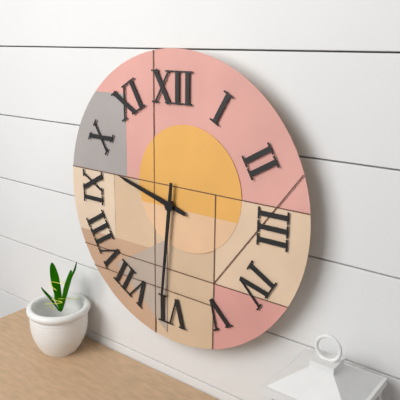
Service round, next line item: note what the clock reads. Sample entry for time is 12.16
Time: 9.31
